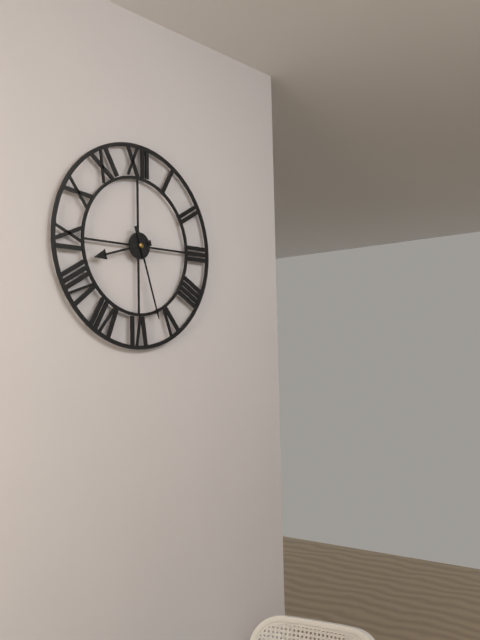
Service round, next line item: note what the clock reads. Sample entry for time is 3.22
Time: 8.27
